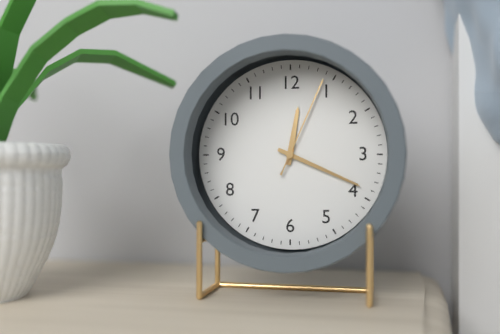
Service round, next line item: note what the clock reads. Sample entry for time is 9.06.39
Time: 12.19.04
